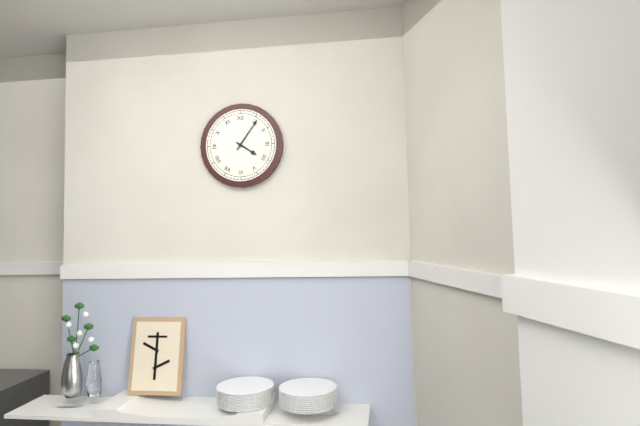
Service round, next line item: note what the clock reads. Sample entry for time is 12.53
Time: 4.06
